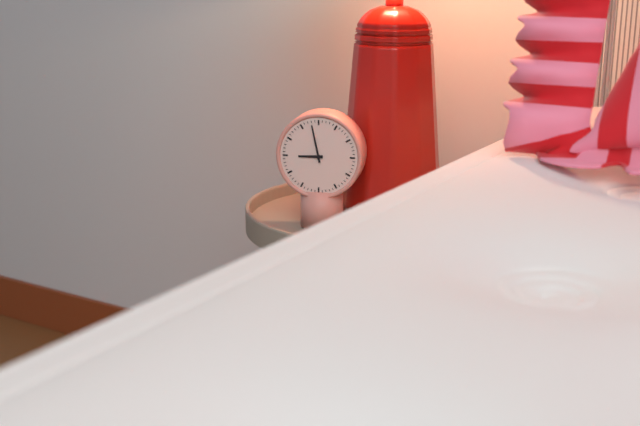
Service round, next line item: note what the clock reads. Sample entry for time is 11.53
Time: 8.58
